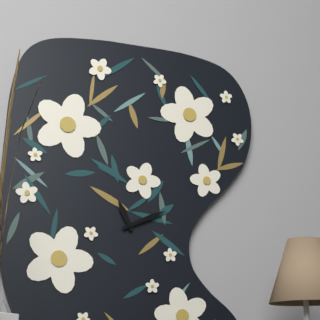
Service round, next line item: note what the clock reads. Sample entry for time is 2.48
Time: 11.11
